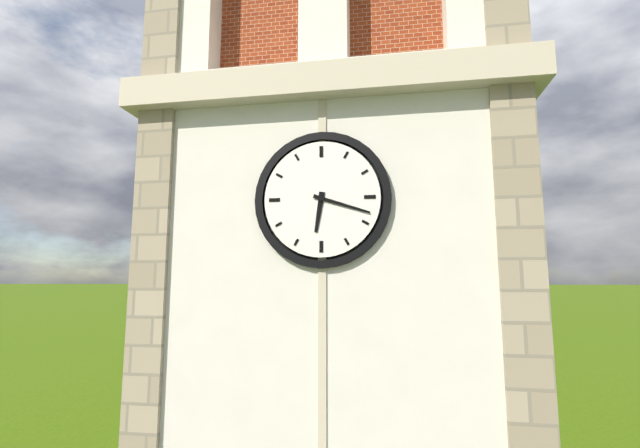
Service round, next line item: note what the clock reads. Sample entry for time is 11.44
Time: 6.18
